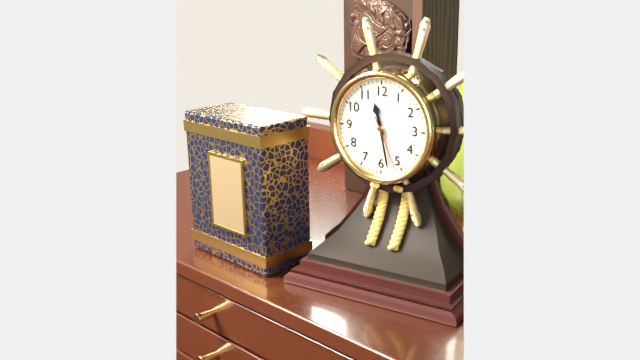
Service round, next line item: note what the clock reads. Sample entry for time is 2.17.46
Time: 11.28.26
